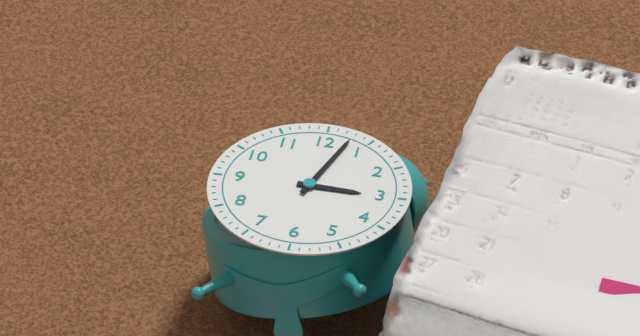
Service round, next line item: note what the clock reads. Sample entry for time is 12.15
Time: 3.03
